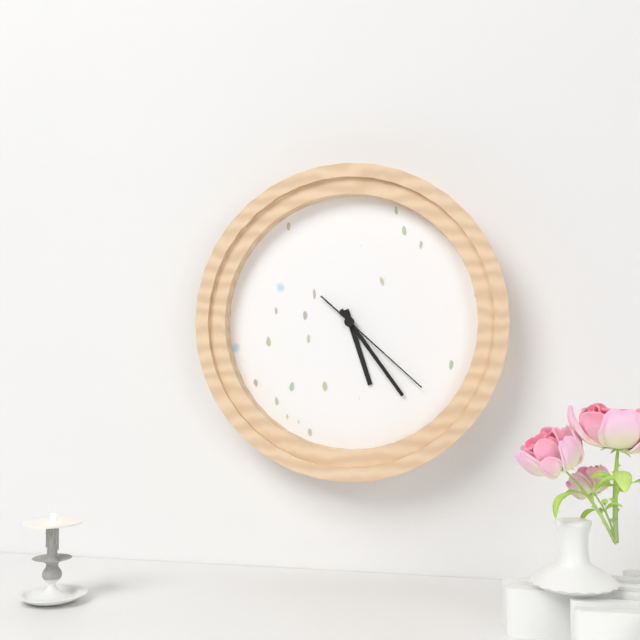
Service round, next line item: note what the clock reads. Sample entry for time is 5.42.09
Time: 5.24.22
